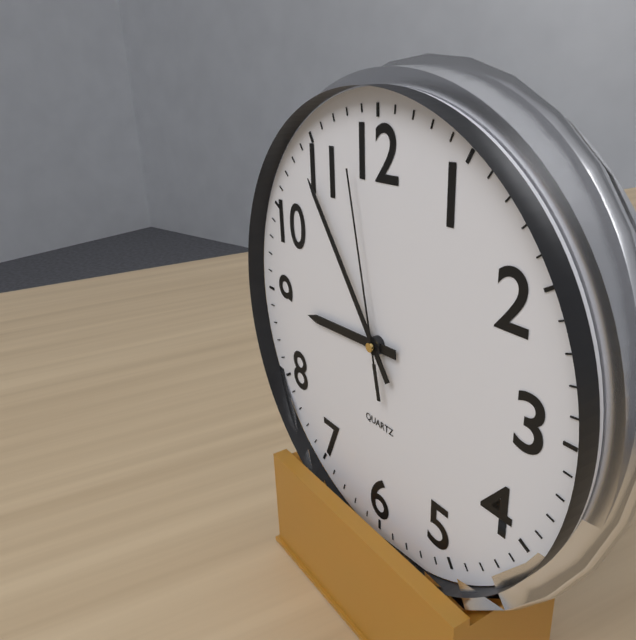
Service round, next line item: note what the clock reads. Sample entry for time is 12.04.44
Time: 8.54.58
